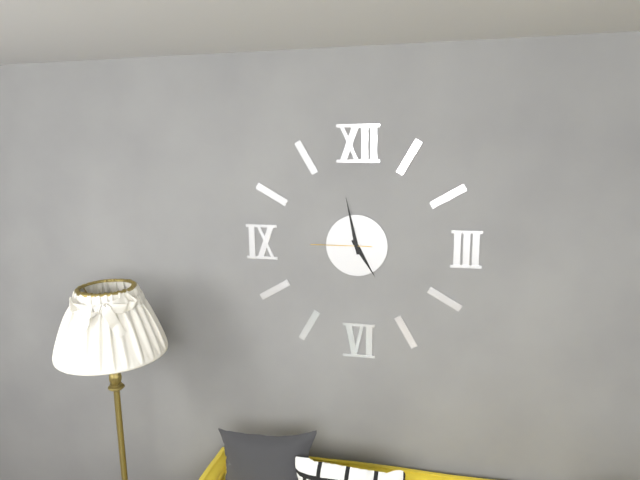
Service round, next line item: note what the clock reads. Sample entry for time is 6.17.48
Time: 4.58.45
